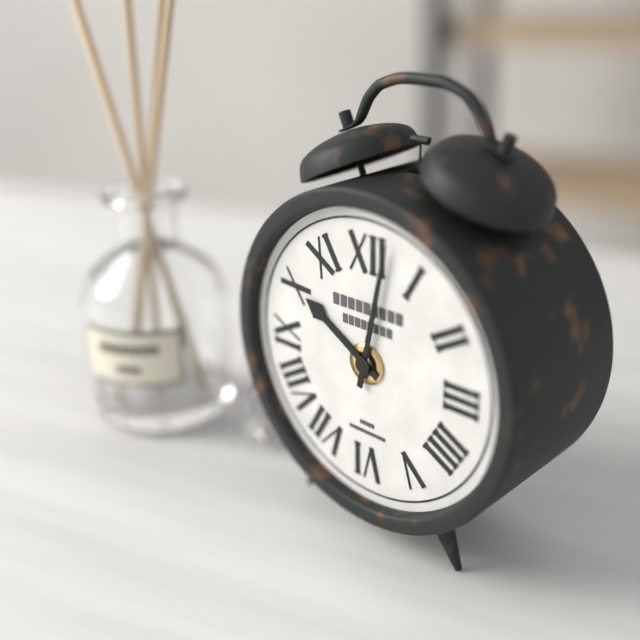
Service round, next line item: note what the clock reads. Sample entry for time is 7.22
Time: 10.02
